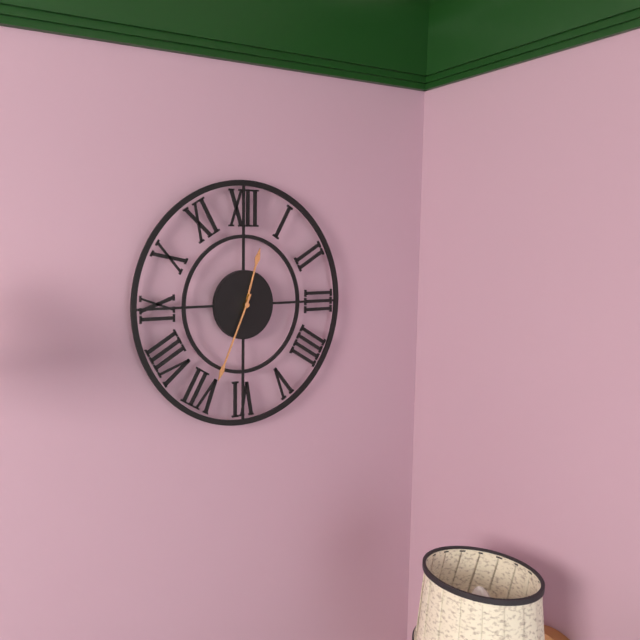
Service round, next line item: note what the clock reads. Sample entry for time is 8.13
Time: 12.34
